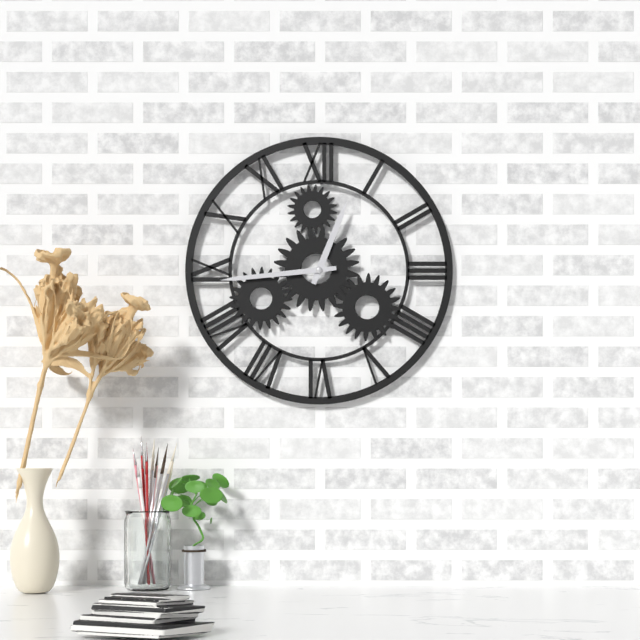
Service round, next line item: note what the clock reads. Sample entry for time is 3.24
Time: 12.44
